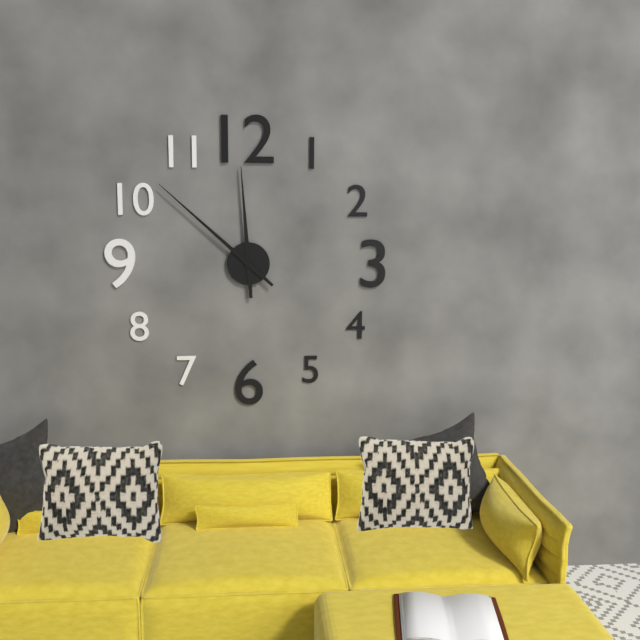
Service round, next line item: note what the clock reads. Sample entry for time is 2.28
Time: 11.52
